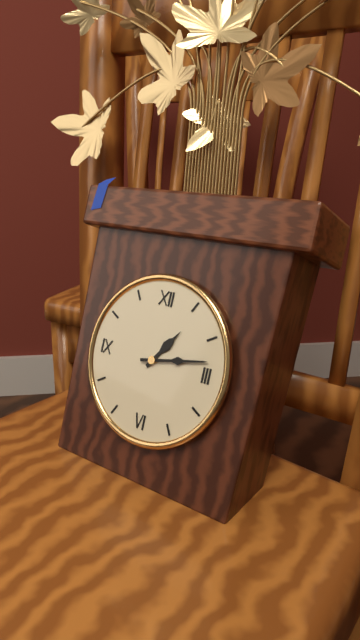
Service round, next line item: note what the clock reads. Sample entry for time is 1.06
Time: 1.13
